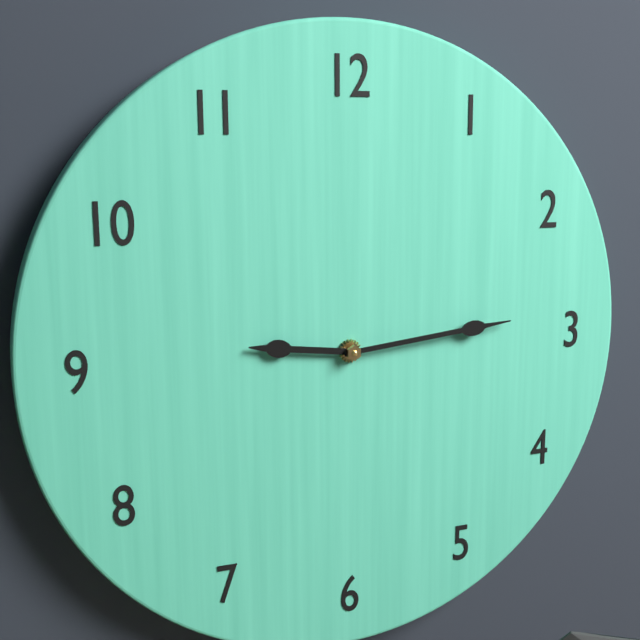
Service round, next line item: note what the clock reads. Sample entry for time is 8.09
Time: 9.14
